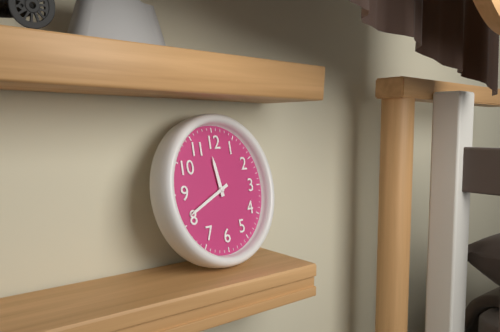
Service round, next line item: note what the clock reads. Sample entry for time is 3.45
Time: 11.41
